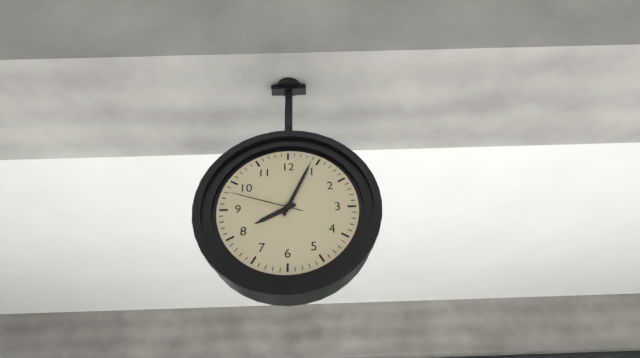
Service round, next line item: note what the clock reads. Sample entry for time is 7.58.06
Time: 8.04.48
